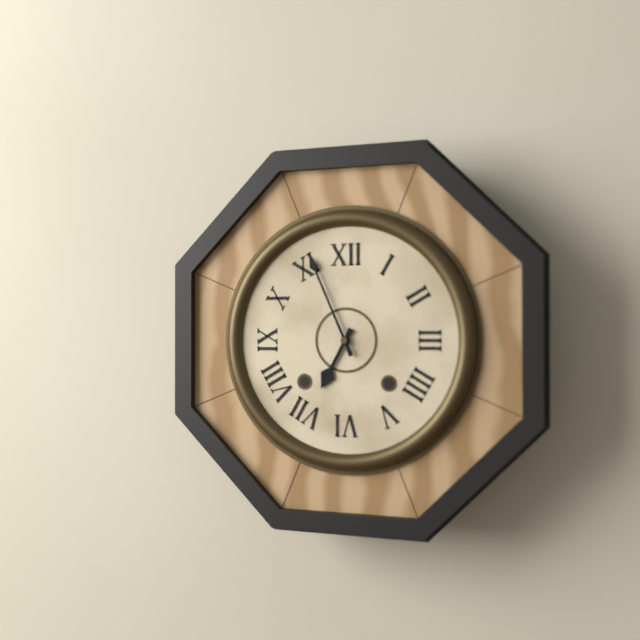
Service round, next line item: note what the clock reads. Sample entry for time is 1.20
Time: 6.56
